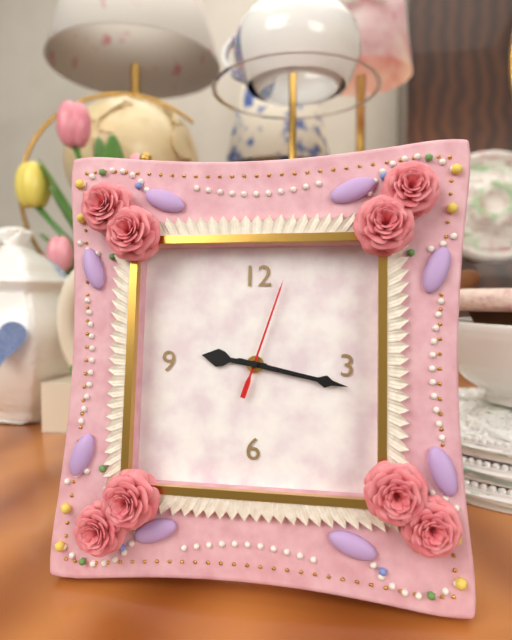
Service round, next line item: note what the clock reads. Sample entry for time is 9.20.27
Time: 9.17.03
